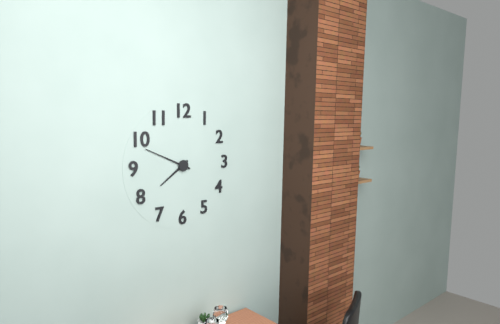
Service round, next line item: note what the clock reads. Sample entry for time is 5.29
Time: 7.49
